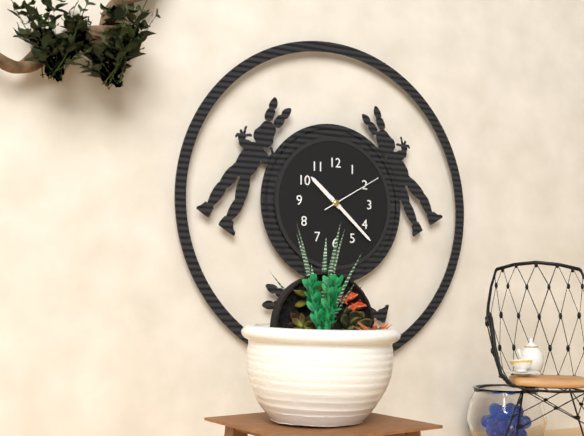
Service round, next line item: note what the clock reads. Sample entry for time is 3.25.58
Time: 10.22.10
